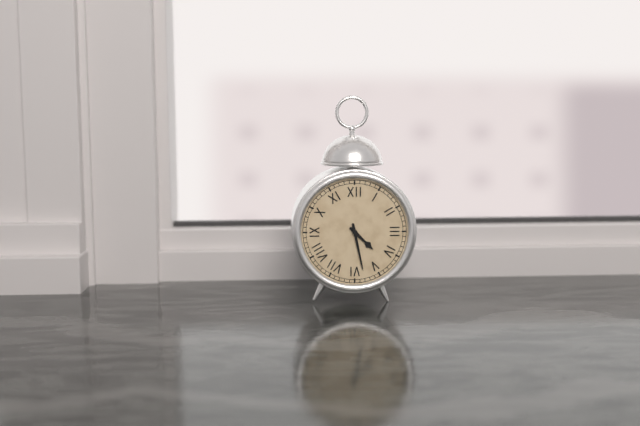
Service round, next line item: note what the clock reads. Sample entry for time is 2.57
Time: 4.28
